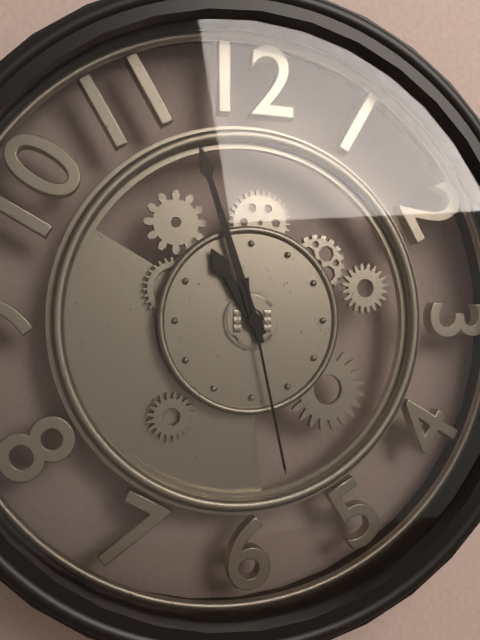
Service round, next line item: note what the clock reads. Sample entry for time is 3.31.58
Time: 10.57.28
